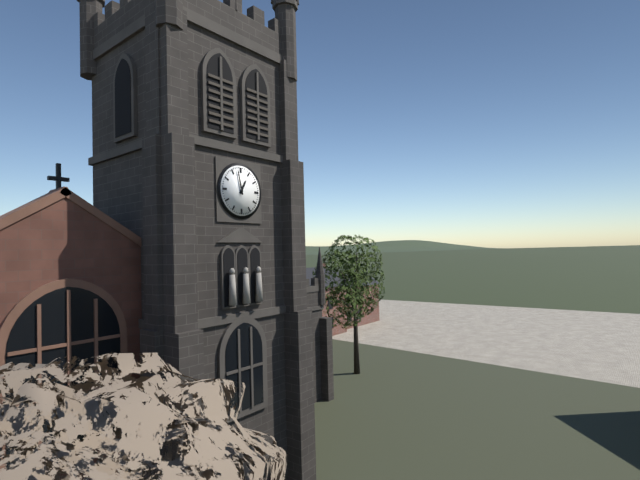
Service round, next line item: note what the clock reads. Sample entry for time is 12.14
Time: 12.58
